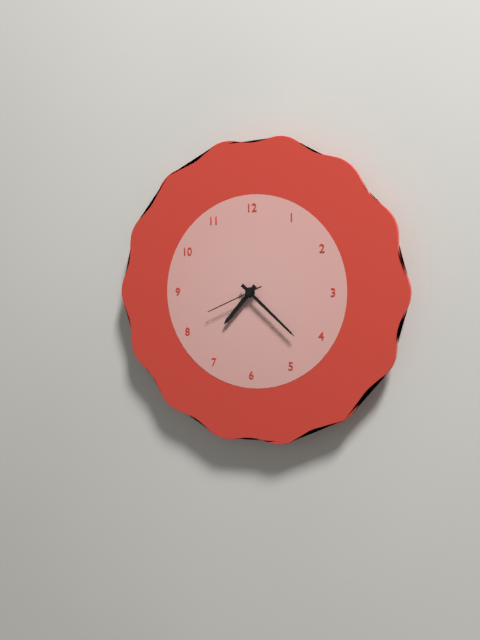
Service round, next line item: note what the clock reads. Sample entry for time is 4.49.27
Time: 7.22.41
